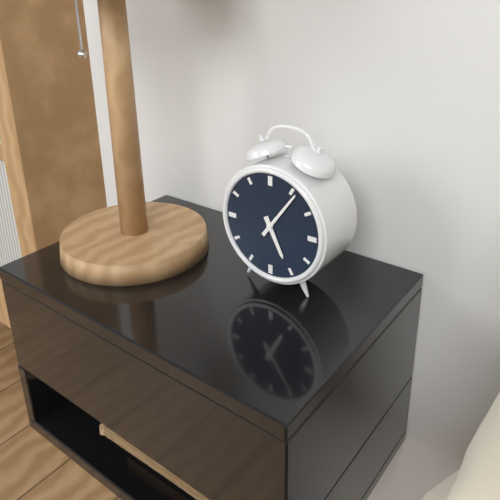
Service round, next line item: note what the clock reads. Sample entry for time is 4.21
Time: 5.06
